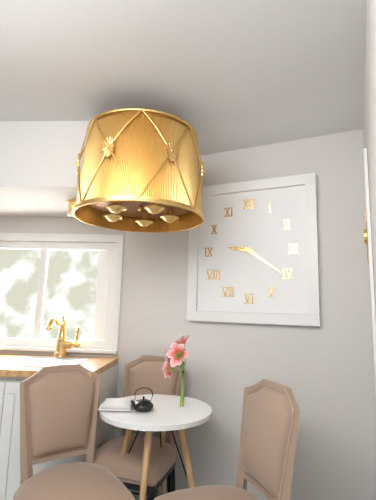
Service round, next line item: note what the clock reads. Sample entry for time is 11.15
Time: 9.21
